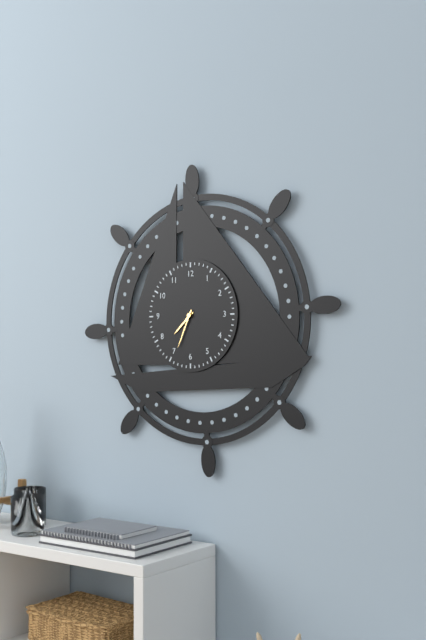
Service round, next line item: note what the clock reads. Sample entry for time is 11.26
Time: 7.34
